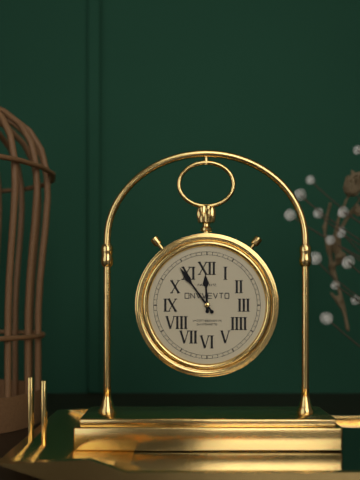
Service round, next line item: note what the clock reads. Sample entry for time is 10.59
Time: 11.54
